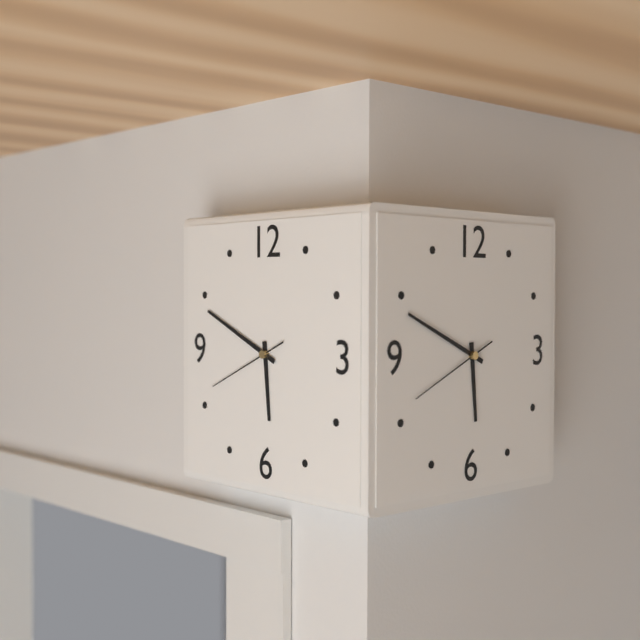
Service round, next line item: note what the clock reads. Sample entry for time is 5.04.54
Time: 5.49.41
